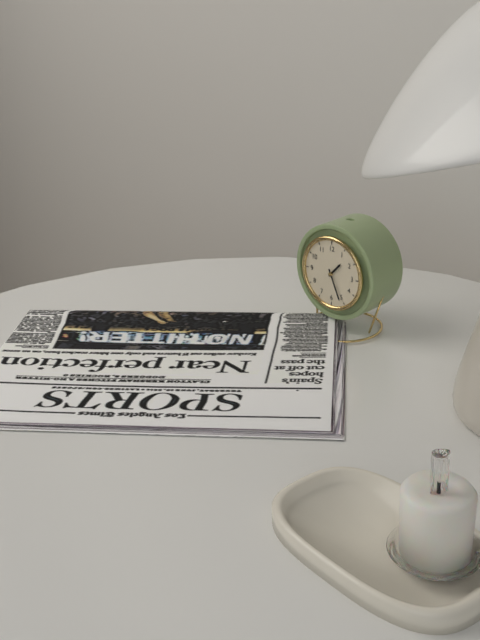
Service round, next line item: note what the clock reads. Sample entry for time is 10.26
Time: 1.26
